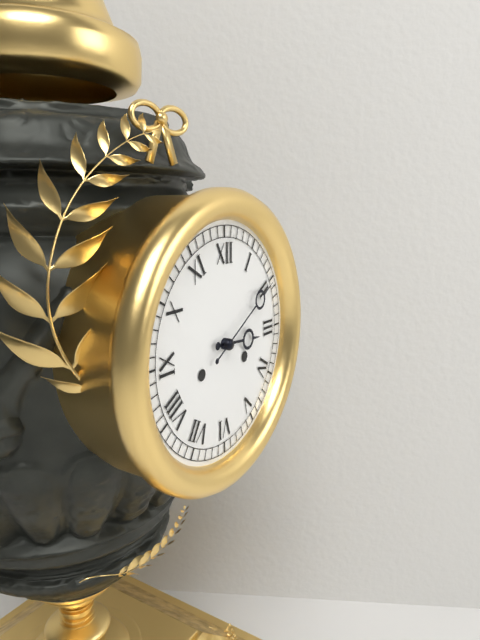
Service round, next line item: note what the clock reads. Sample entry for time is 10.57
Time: 3.10
